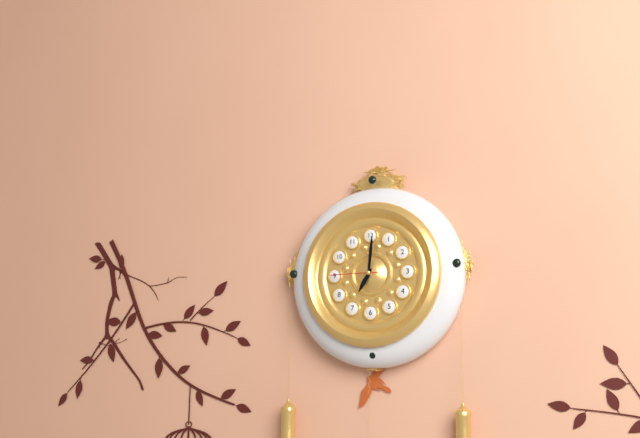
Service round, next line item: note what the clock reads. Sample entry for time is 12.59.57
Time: 7.01.45
